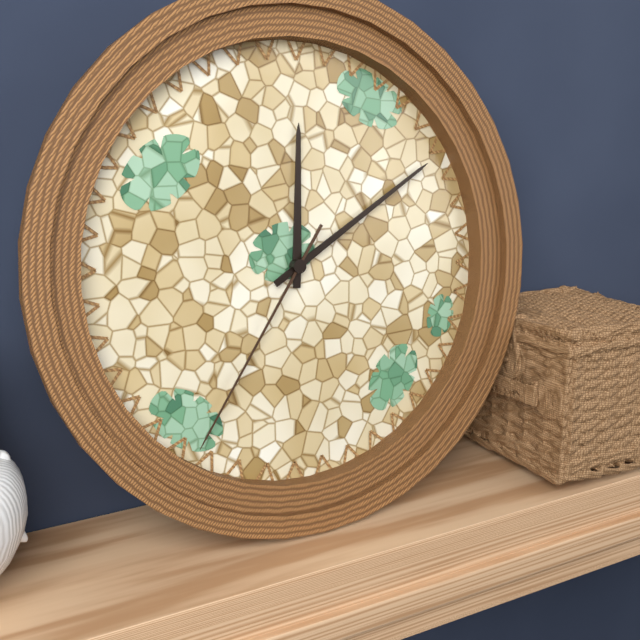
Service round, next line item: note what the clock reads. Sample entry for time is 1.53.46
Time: 12.10.36
